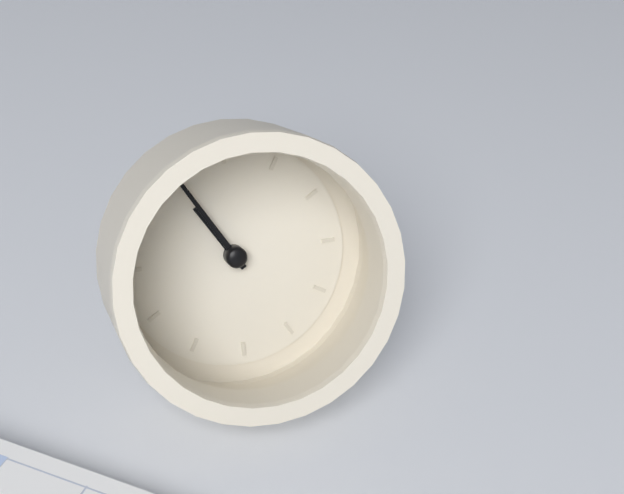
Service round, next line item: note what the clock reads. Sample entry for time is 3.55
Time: 10.55
